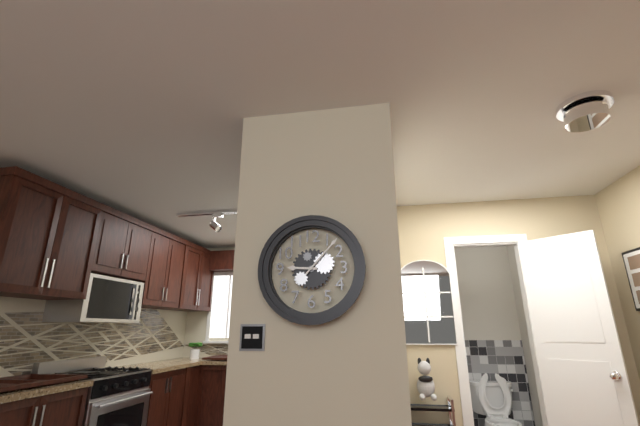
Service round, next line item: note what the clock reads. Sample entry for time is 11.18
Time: 9.07
